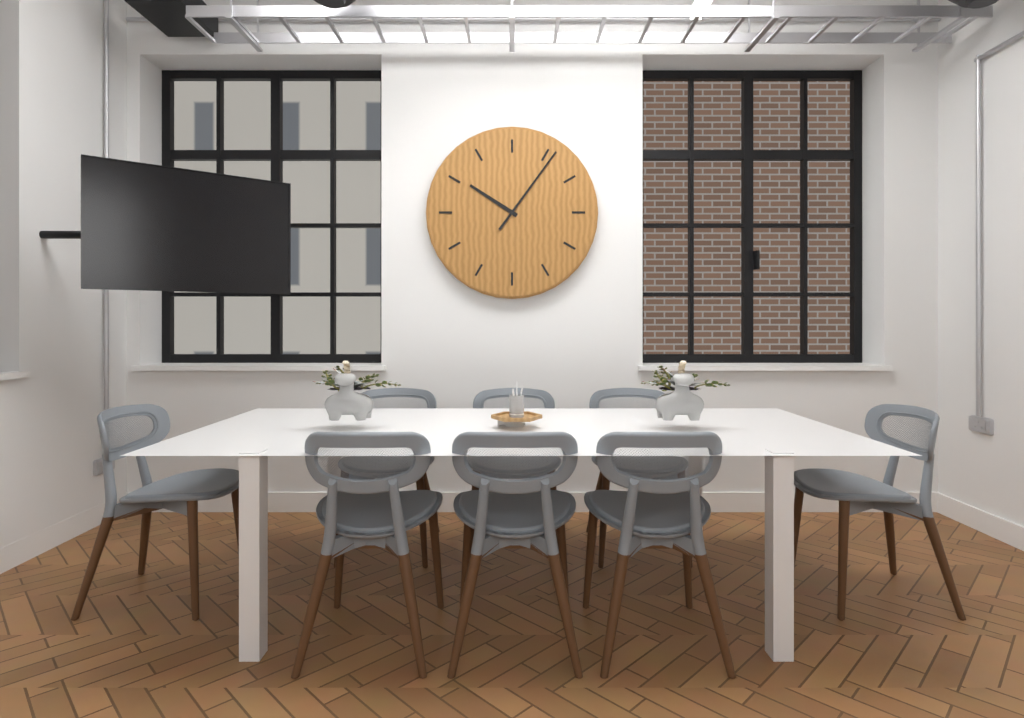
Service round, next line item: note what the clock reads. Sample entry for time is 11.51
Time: 10.06
